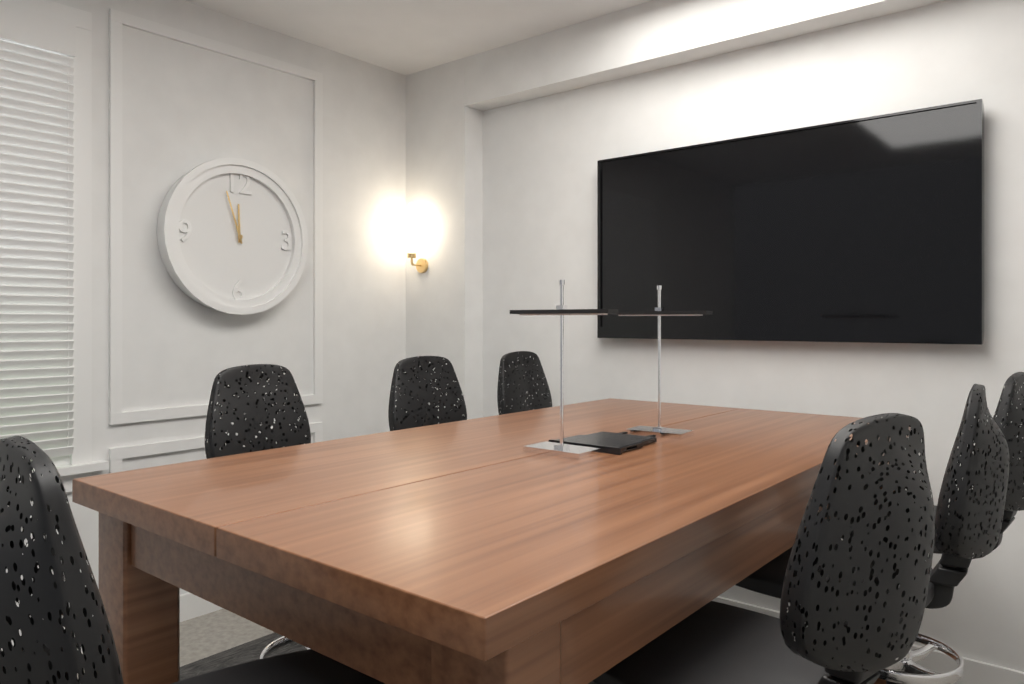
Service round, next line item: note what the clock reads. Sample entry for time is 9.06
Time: 11.57
